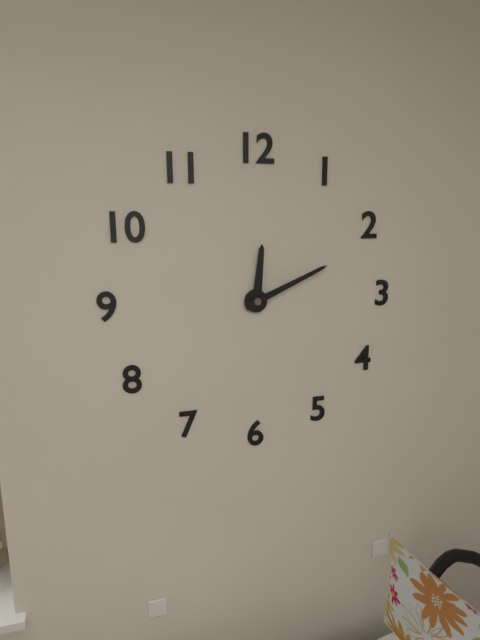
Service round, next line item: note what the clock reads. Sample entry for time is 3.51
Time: 12.11
